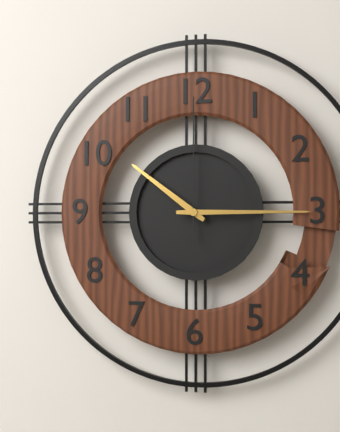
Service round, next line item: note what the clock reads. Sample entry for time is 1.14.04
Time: 10.15.00
